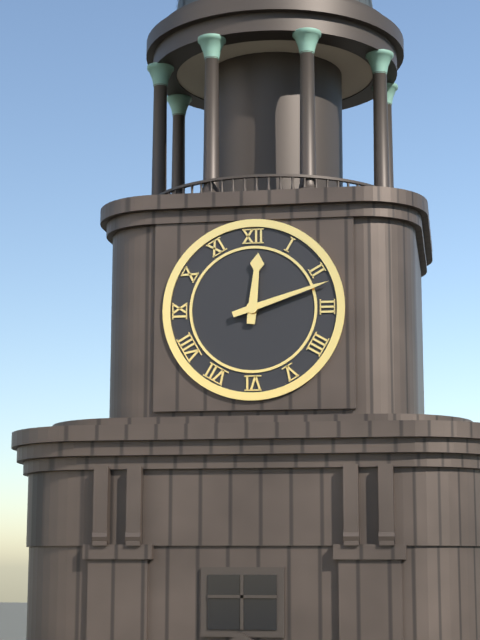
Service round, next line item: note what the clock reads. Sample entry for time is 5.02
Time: 12.12
